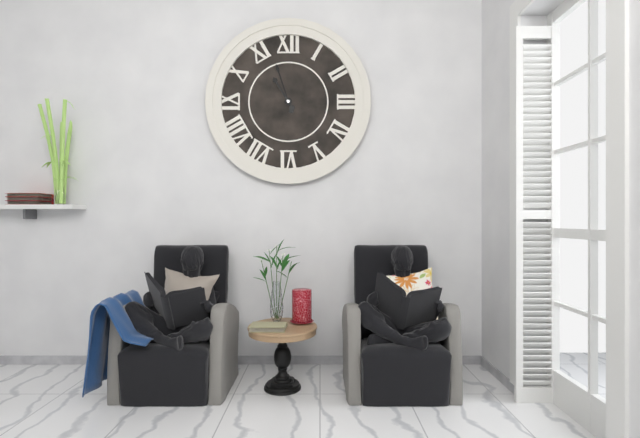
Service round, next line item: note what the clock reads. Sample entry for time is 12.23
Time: 10.57
